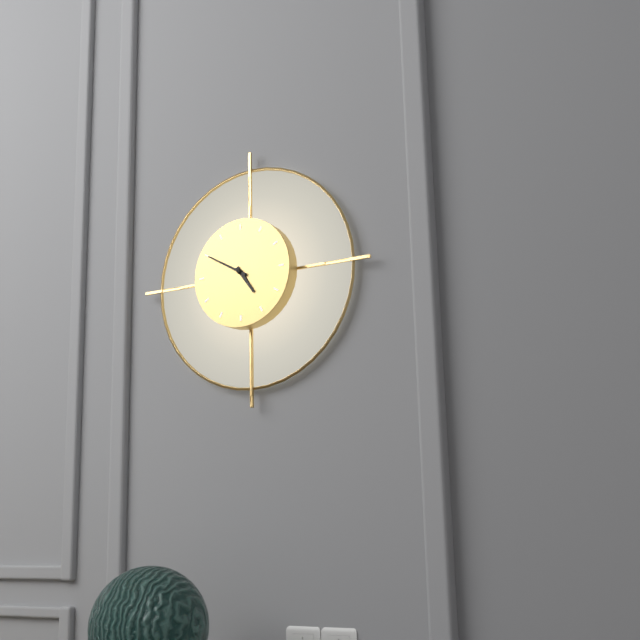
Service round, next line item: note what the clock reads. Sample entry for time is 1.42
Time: 4.50
